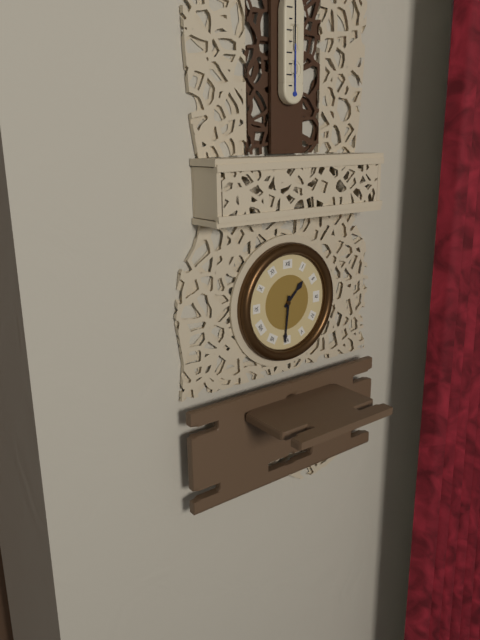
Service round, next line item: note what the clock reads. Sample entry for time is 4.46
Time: 1.31
